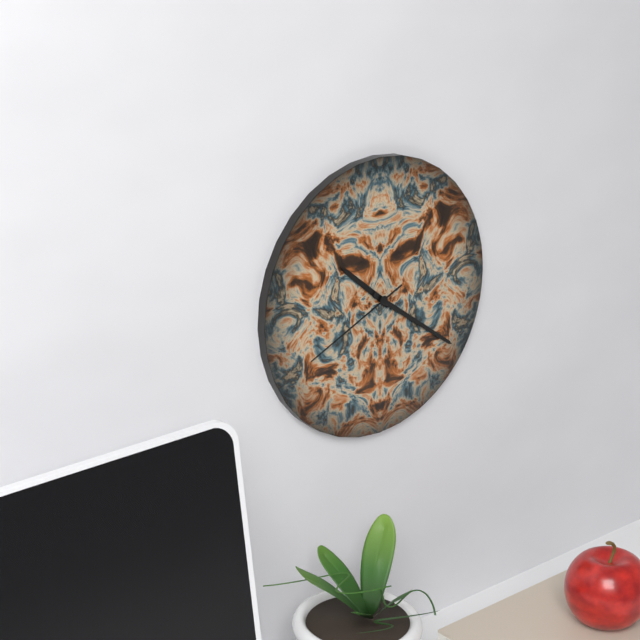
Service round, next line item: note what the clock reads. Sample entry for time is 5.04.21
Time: 10.21.41
